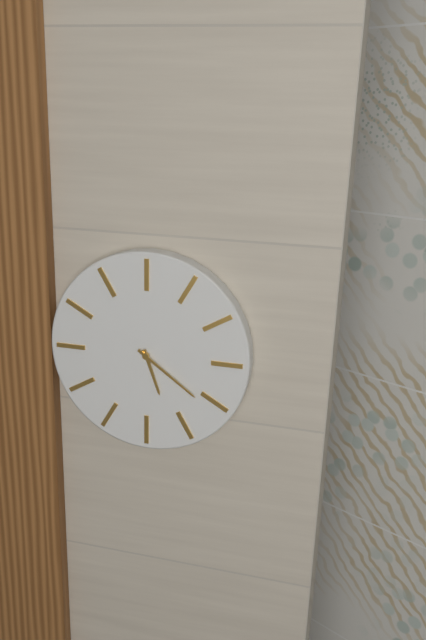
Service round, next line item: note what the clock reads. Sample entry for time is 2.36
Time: 5.21
